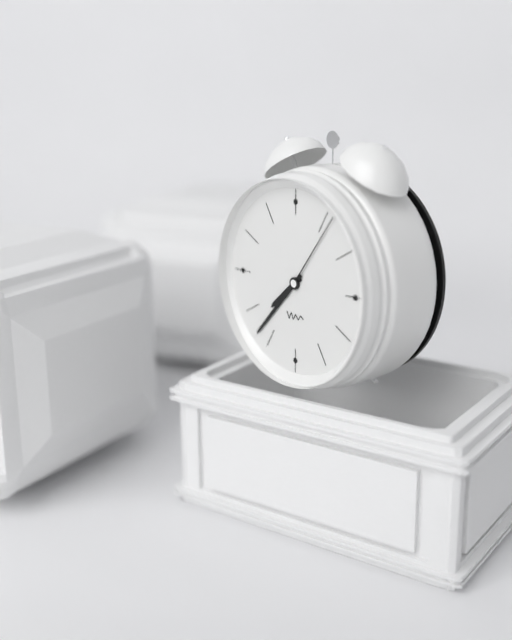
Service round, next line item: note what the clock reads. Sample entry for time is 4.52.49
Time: 7.37.06
